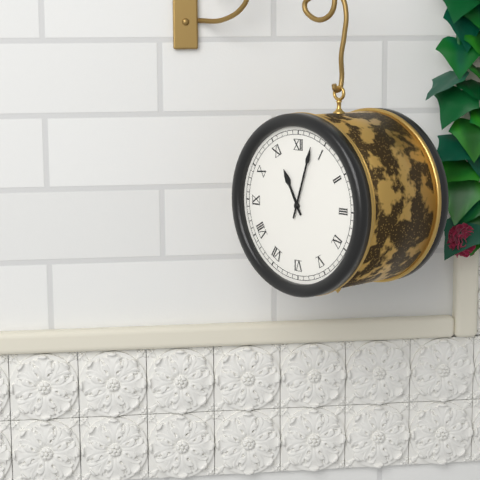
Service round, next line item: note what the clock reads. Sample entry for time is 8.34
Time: 11.03
